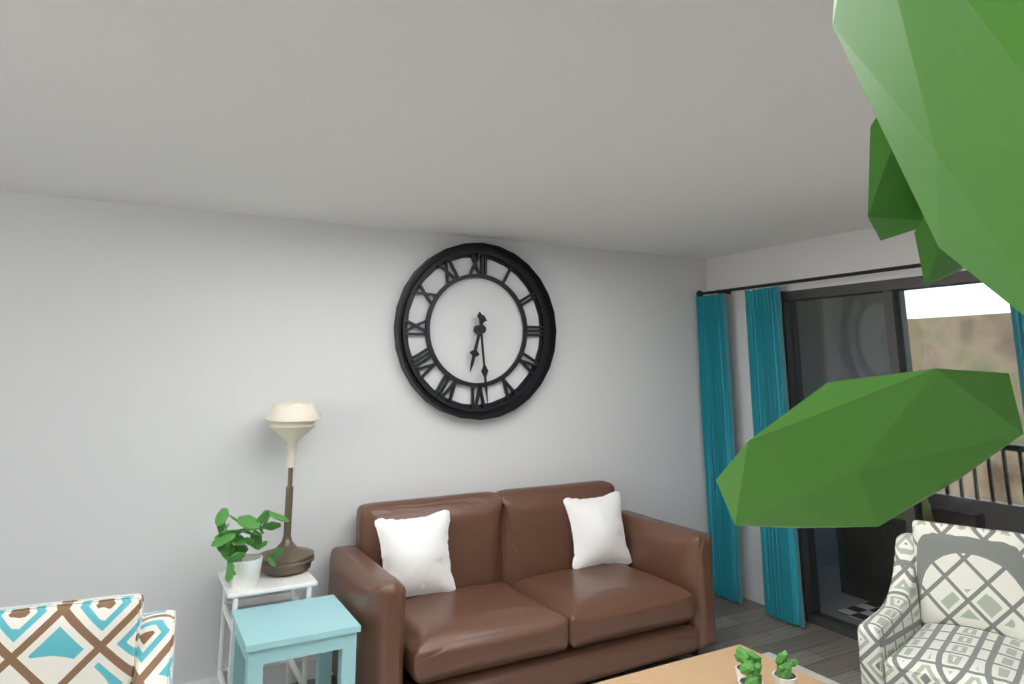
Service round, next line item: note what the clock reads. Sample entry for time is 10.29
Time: 6.29
